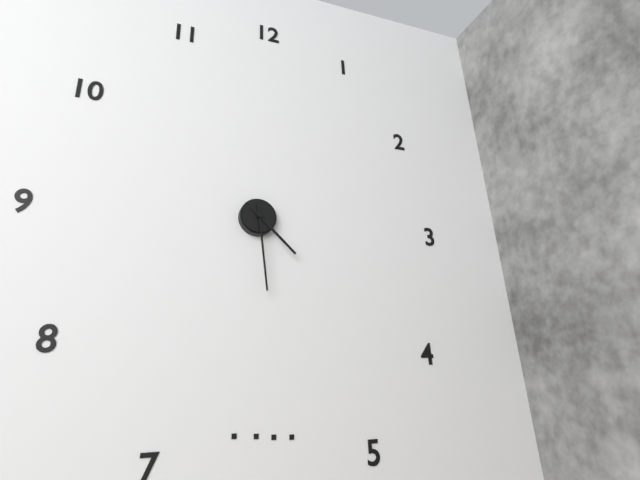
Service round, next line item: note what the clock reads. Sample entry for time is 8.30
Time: 4.29
